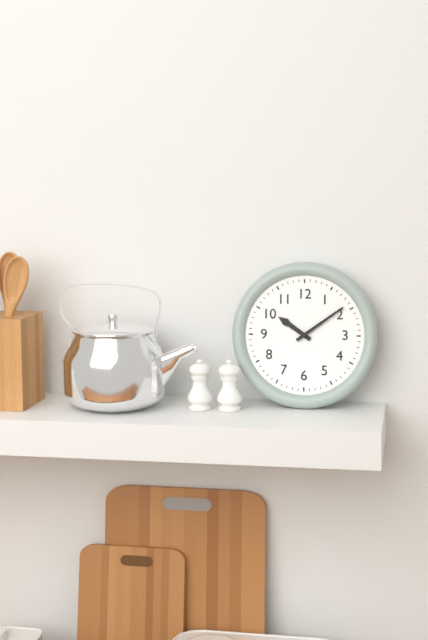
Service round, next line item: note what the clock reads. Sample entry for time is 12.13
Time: 10.09
